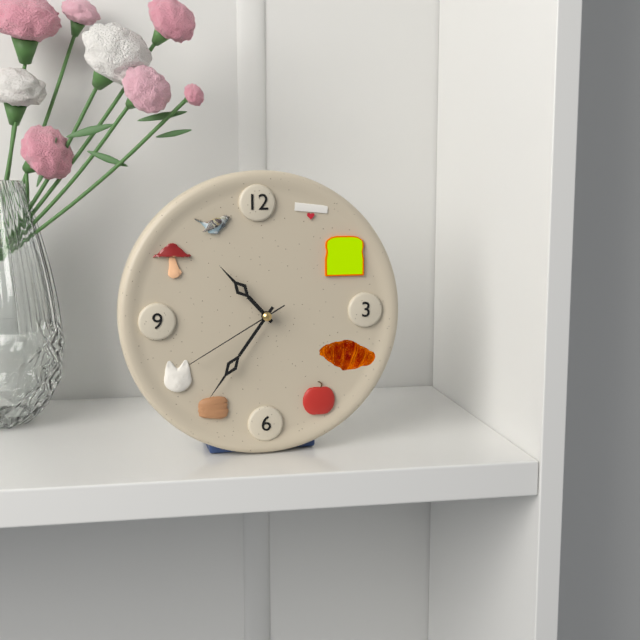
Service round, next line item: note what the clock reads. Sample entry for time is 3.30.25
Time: 10.36.40
